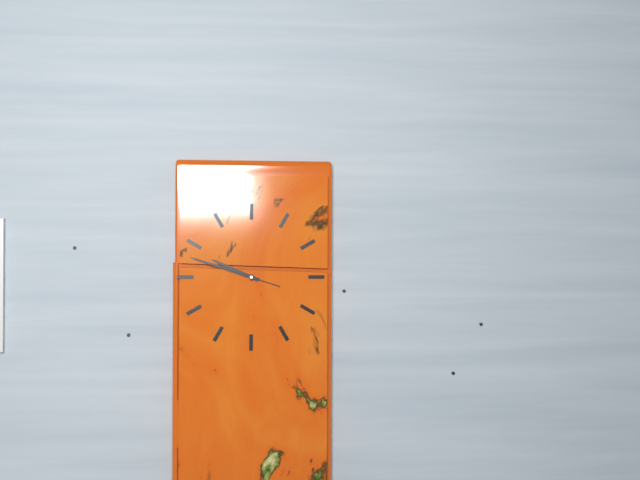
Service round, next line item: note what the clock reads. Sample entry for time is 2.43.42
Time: 9.48.48
